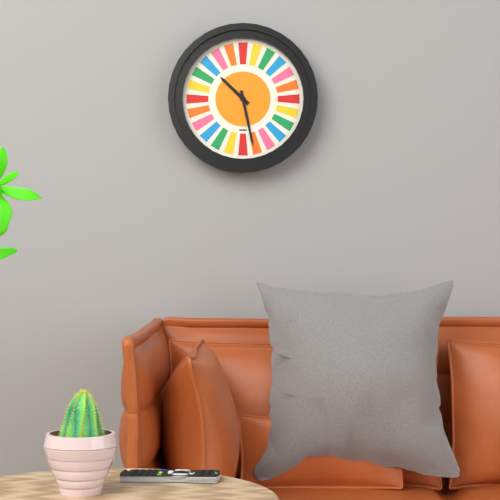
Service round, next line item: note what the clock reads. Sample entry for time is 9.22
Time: 10.28
